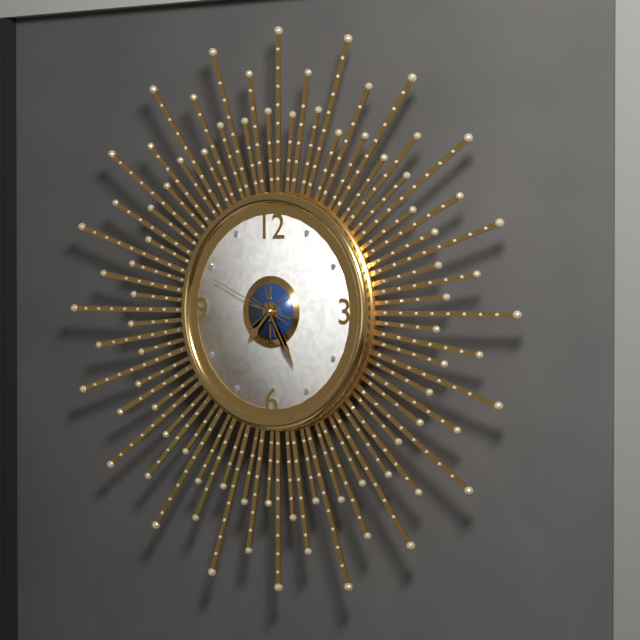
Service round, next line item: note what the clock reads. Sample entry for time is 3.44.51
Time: 7.25.49
